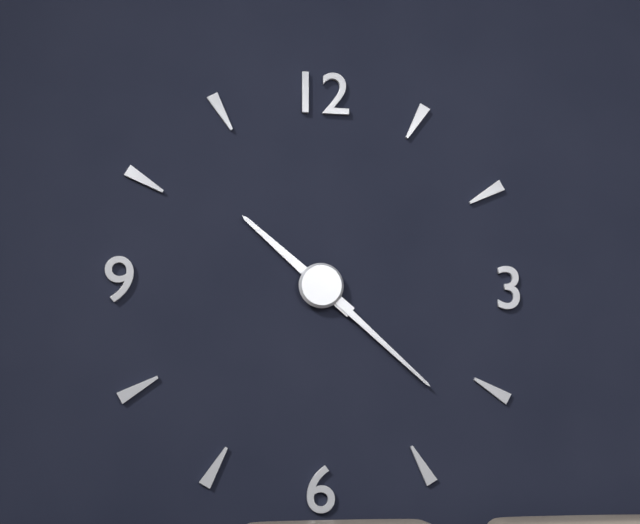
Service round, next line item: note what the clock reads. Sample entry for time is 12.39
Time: 10.22
